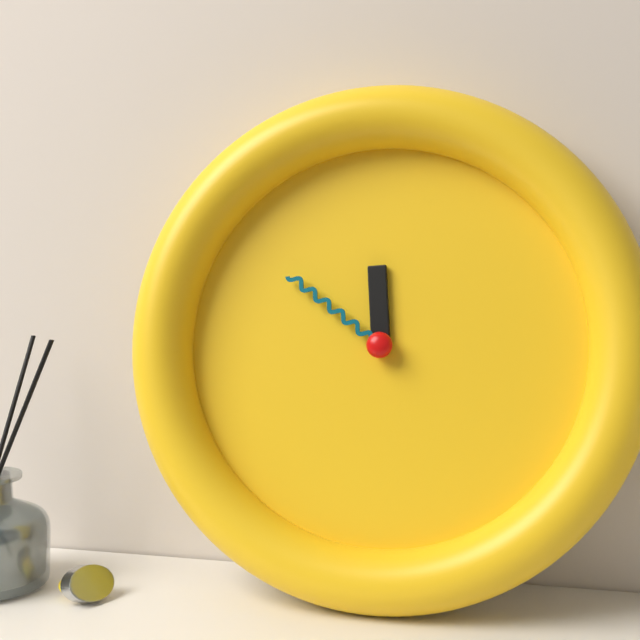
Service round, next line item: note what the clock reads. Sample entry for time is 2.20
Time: 11.51
